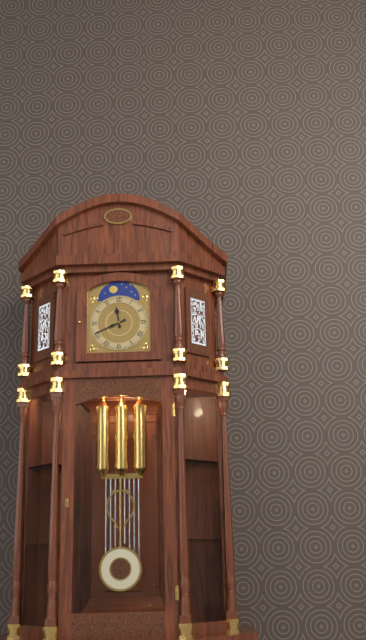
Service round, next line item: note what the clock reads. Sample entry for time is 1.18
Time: 11.41
